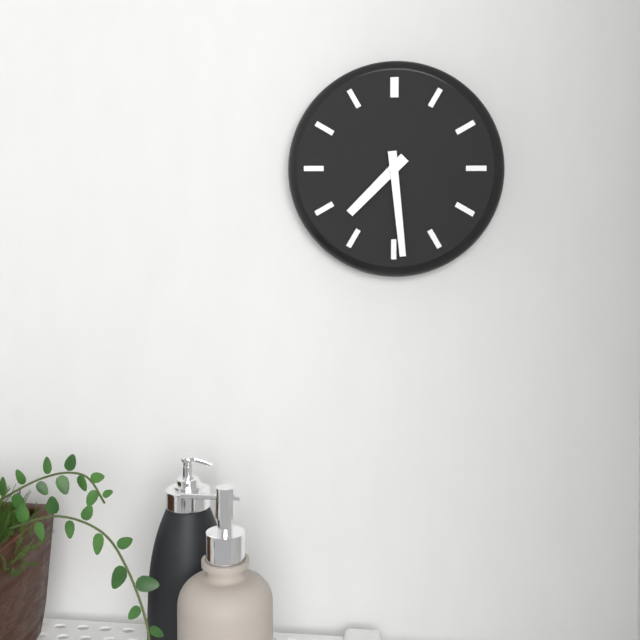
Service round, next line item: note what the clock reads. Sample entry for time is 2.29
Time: 7.29
